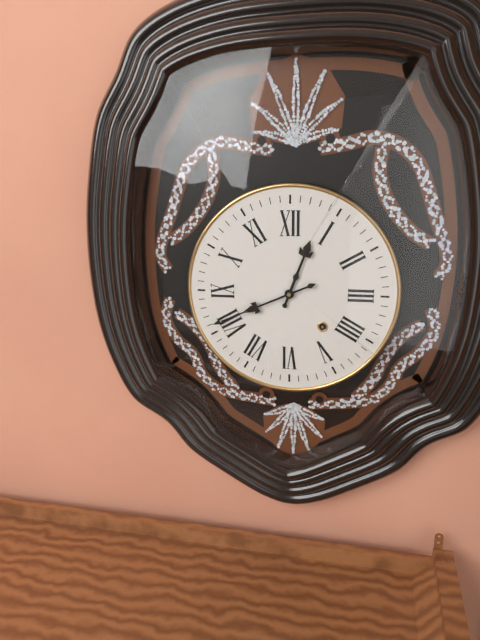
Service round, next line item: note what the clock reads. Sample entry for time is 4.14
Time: 12.41
